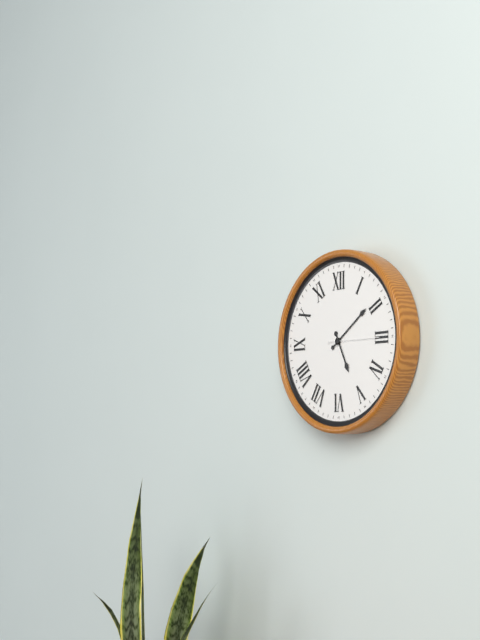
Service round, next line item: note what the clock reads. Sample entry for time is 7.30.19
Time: 5.09.15
